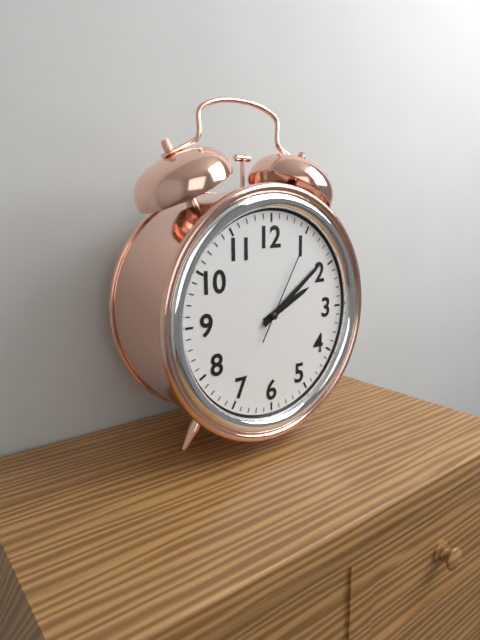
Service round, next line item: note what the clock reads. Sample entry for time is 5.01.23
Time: 2.09.05
